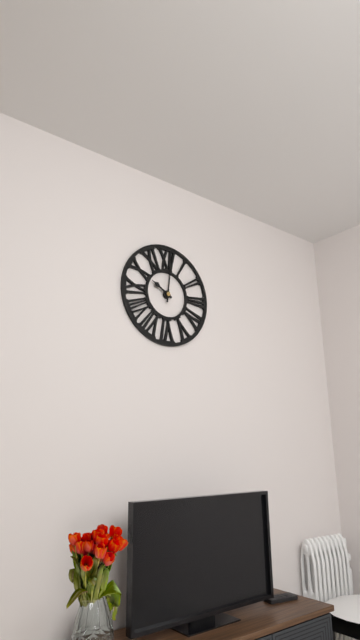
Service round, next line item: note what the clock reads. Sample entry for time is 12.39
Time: 10.01
